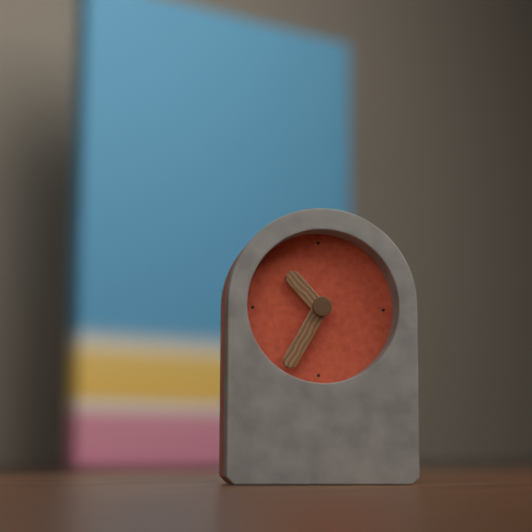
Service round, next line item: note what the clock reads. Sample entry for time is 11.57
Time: 10.35
